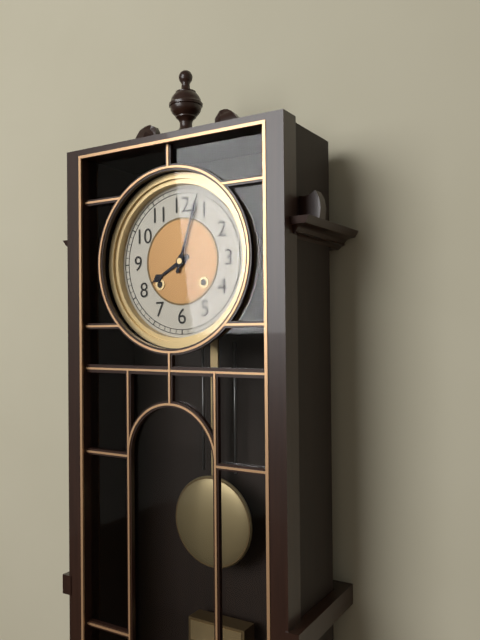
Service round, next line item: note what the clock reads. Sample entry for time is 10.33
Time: 8.03
